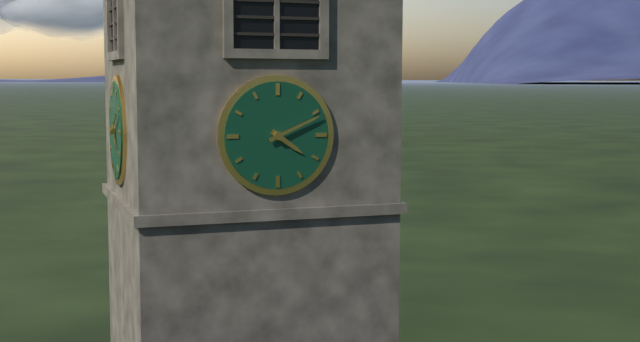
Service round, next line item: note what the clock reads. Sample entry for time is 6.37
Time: 4.11
